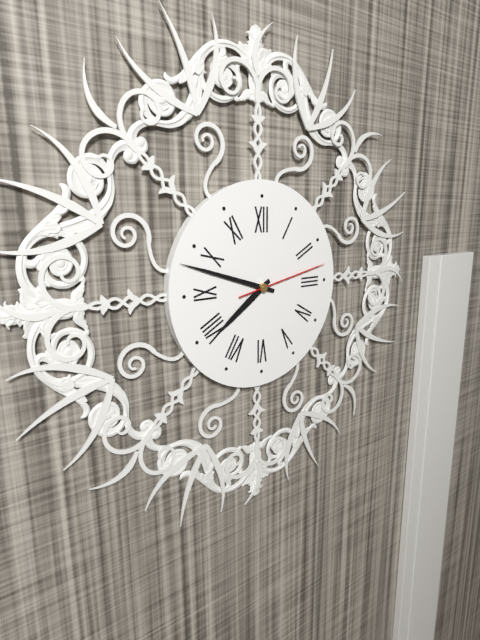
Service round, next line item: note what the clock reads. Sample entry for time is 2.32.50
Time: 7.48.13
